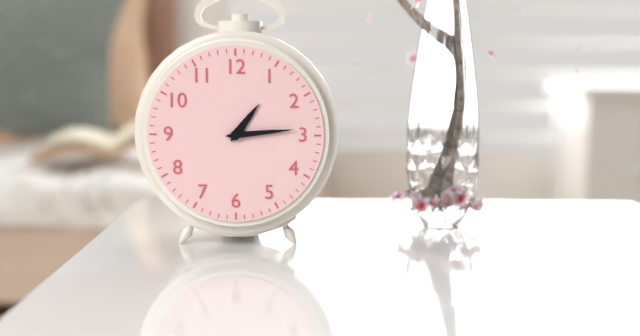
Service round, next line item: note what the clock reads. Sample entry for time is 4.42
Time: 1.14
